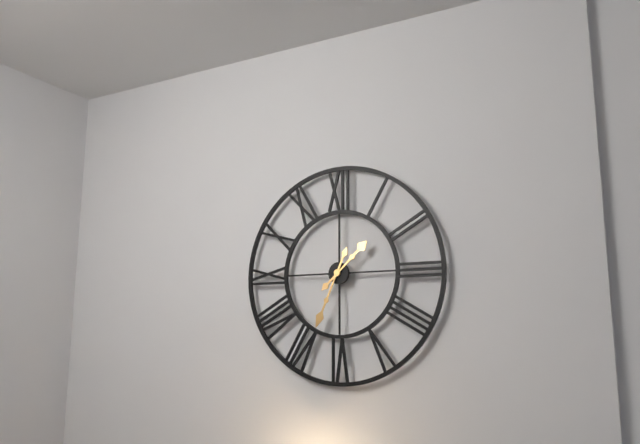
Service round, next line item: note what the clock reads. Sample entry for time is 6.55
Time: 1.34
